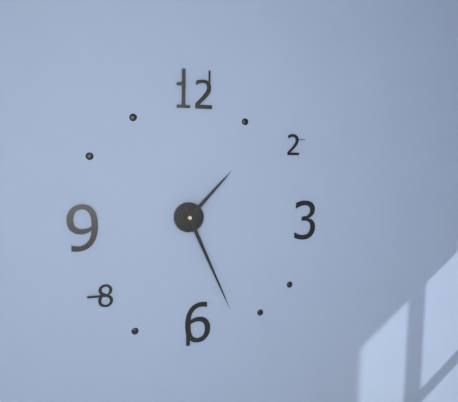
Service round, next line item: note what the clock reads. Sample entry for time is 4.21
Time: 1.26
